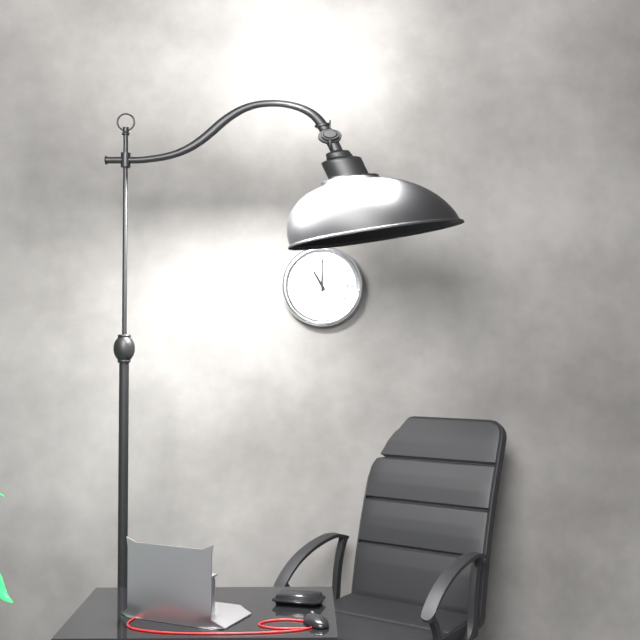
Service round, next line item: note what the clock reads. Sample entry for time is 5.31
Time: 11.00
